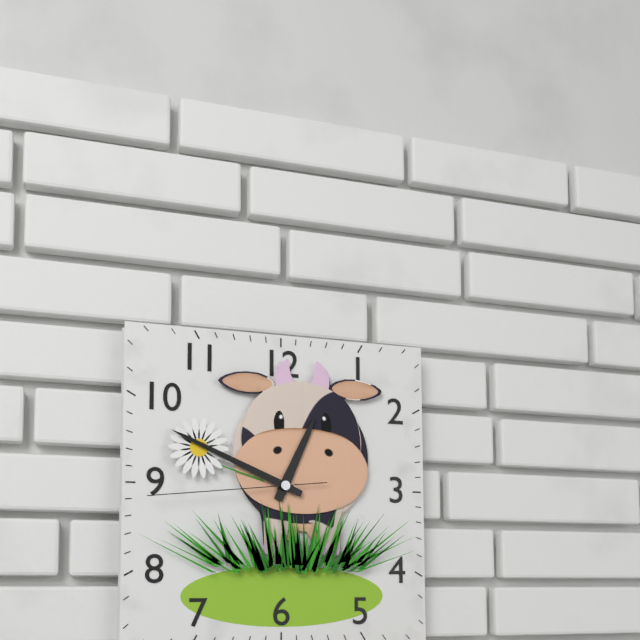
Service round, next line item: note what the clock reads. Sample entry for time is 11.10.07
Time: 12.49.44
